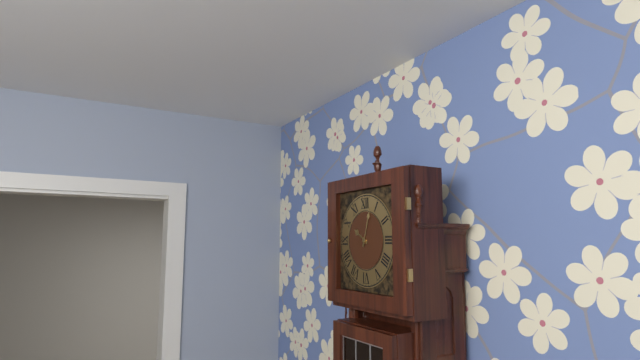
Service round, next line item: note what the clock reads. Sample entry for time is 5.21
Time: 10.03
